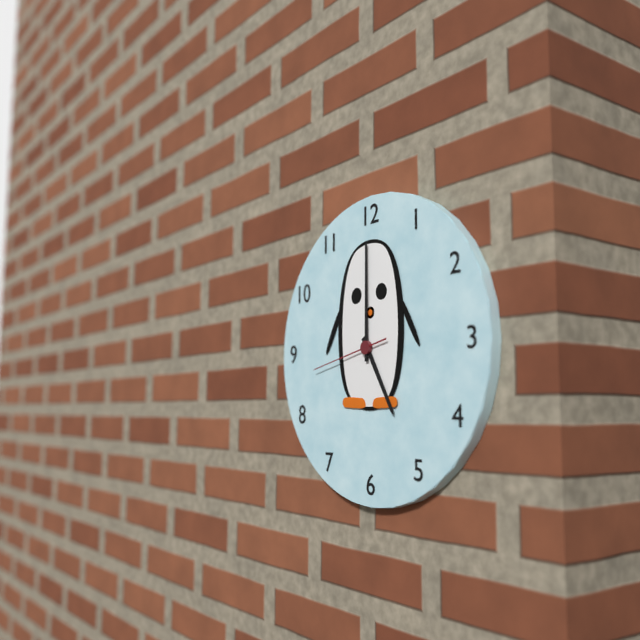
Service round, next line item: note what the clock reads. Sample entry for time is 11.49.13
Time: 5.00.43
